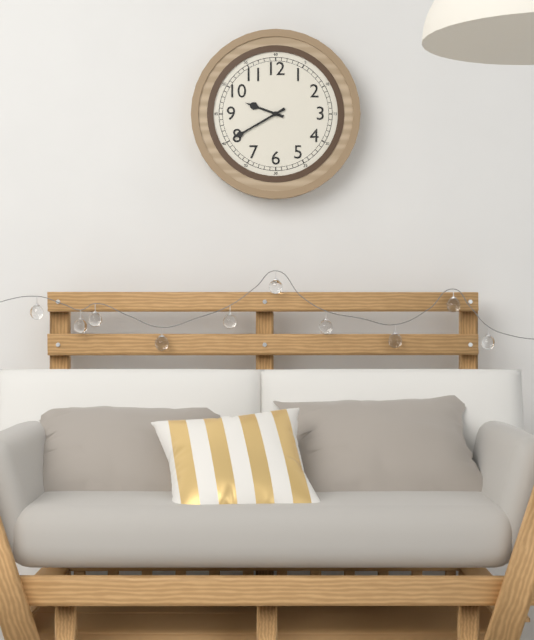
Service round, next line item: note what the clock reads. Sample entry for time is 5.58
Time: 9.40
